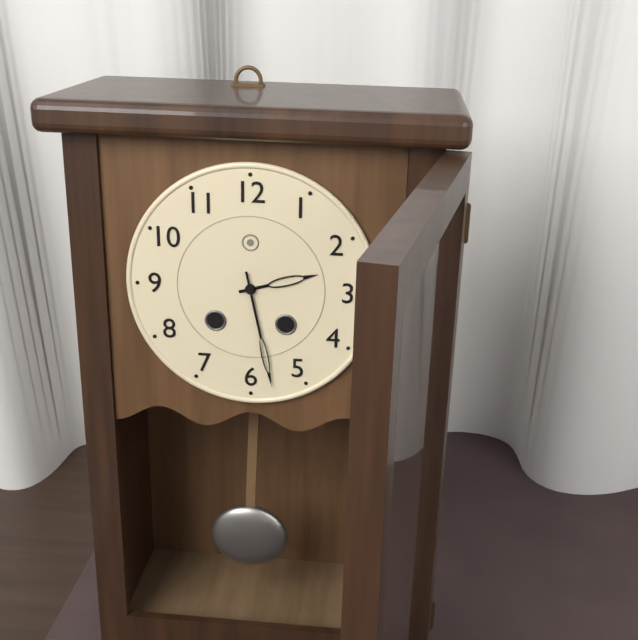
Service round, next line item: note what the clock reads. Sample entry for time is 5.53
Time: 2.28
